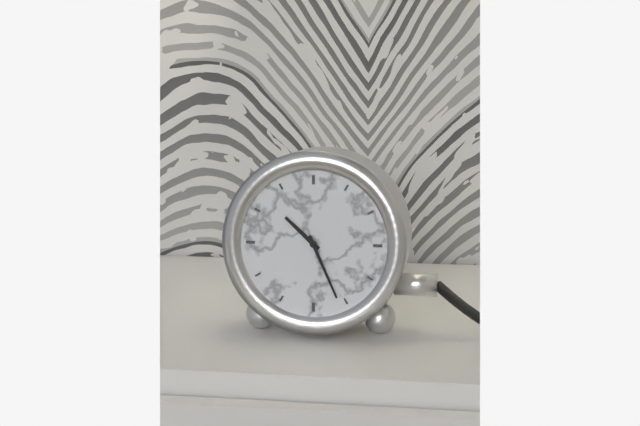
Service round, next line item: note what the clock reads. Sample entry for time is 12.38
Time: 10.26
